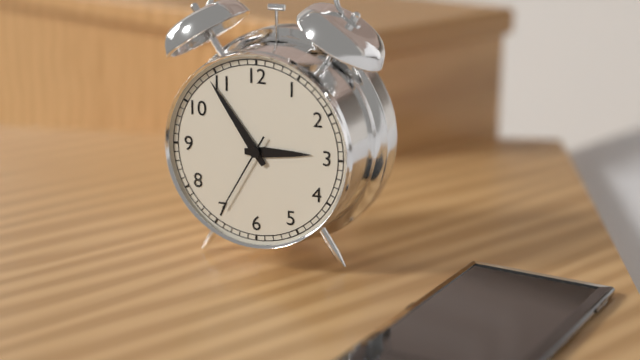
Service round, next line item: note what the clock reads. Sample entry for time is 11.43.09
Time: 2.54.35
